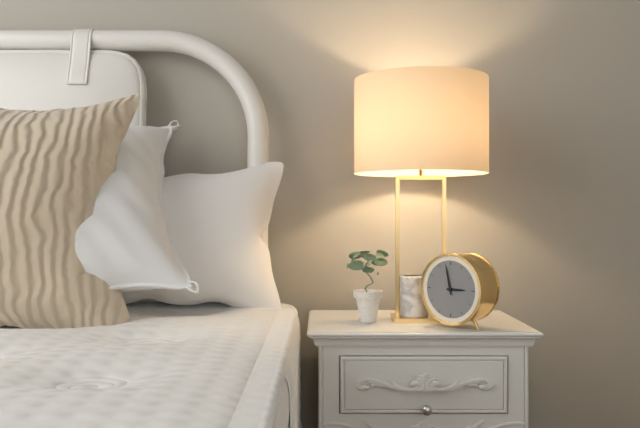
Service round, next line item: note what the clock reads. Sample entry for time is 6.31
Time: 2.58
